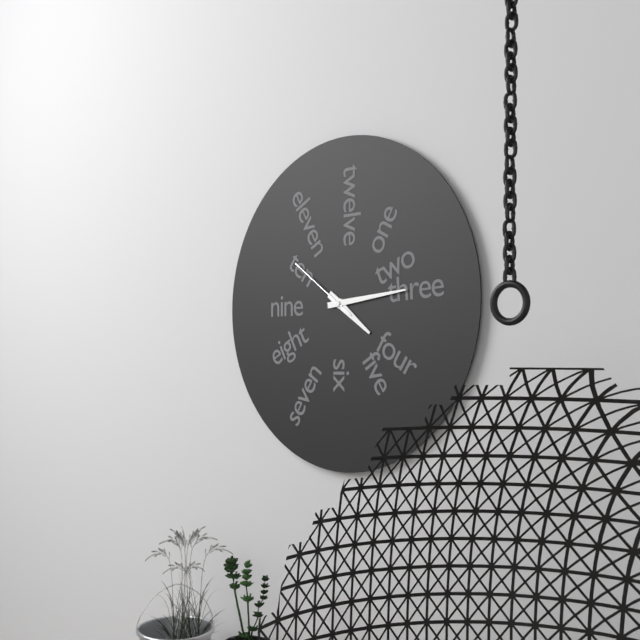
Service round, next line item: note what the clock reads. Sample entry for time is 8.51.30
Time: 4.14.51
